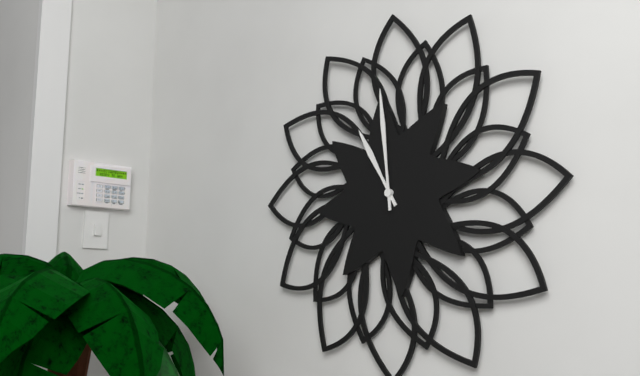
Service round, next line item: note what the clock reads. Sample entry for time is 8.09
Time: 10.59
